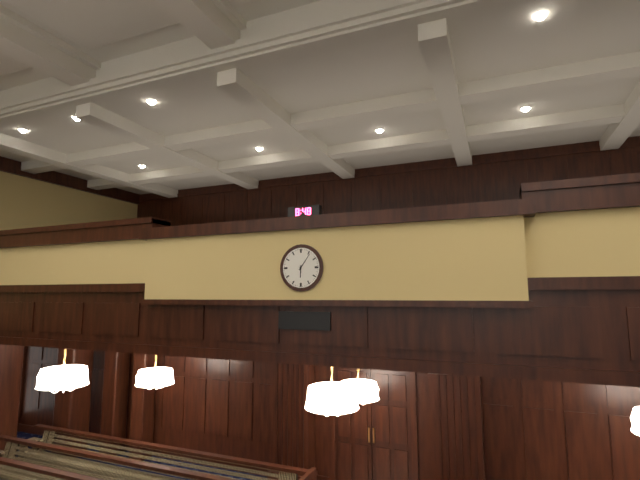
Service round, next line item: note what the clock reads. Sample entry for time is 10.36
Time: 6.06
